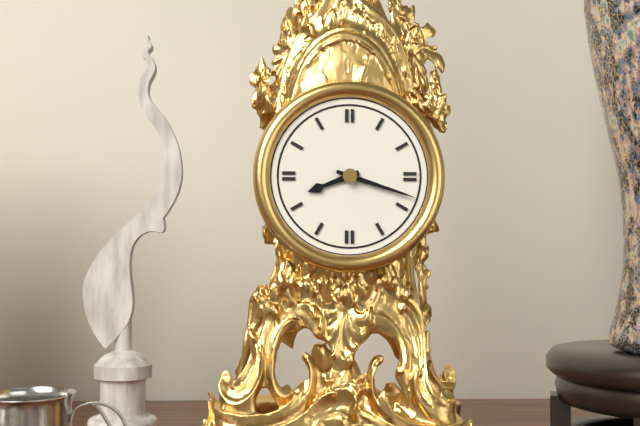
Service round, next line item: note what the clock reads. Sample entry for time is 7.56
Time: 8.18
